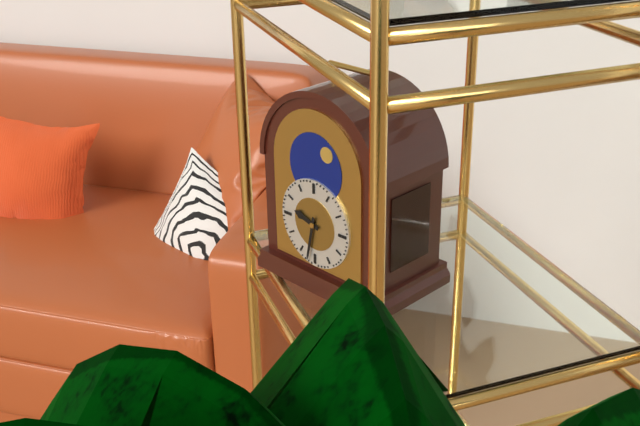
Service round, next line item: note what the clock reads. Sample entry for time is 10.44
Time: 9.32
